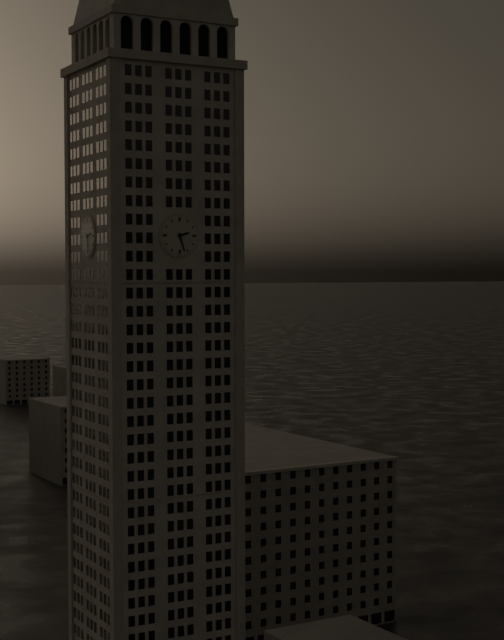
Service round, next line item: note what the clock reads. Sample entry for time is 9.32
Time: 2.27
